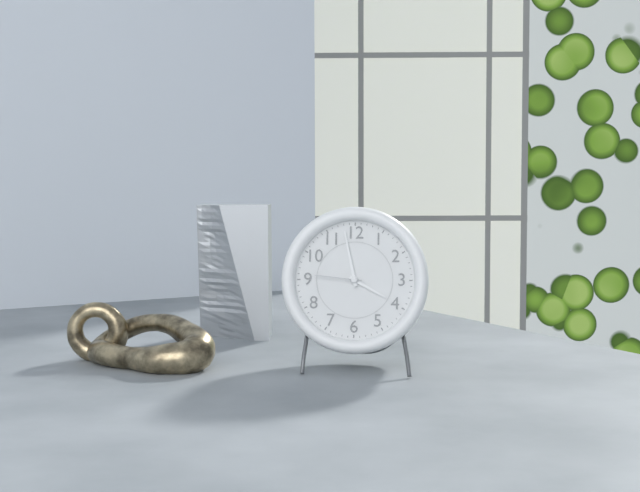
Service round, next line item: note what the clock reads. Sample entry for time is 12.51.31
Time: 3.58.46
